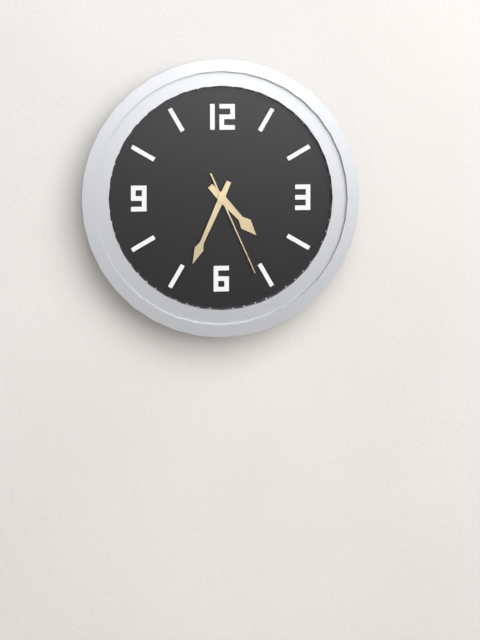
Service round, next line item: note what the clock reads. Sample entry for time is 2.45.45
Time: 4.34.26
